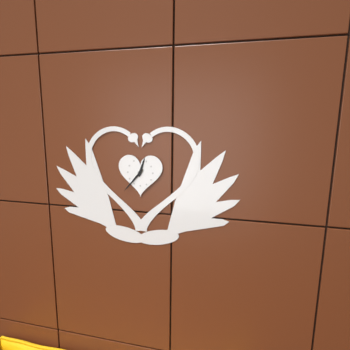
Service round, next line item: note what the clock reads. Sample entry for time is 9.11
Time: 12.37
